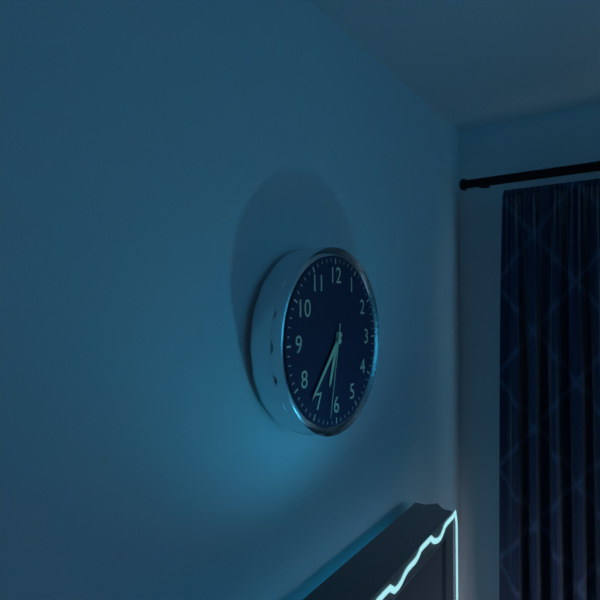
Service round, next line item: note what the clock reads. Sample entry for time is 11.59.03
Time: 6.37.32
